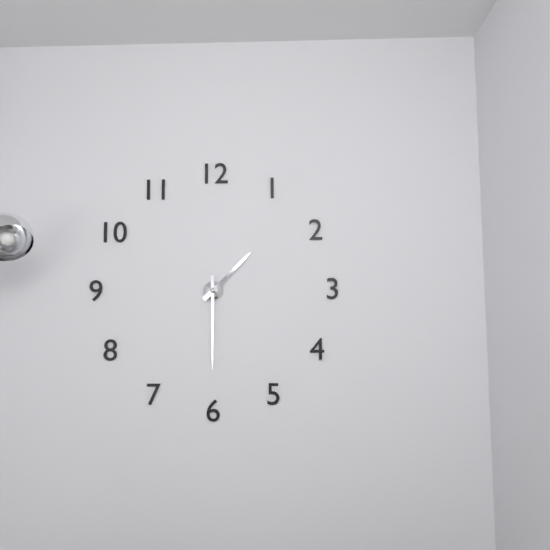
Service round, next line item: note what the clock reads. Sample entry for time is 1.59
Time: 1.30
